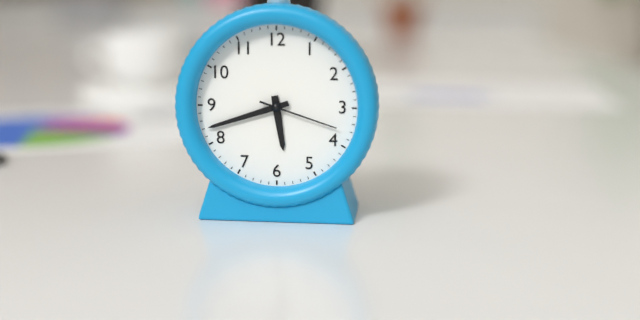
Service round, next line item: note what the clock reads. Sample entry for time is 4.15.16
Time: 5.42.18
